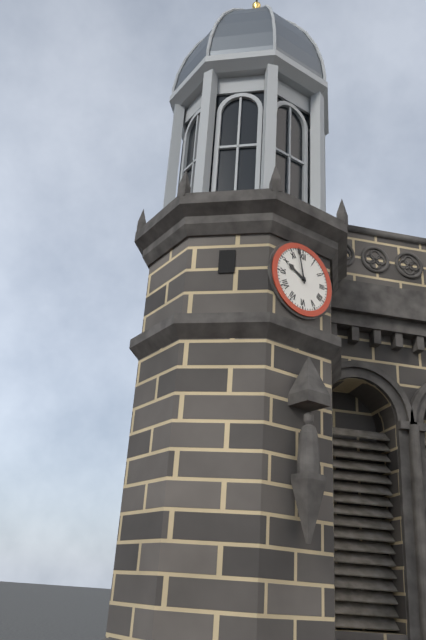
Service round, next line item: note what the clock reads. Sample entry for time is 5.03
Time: 9.58
